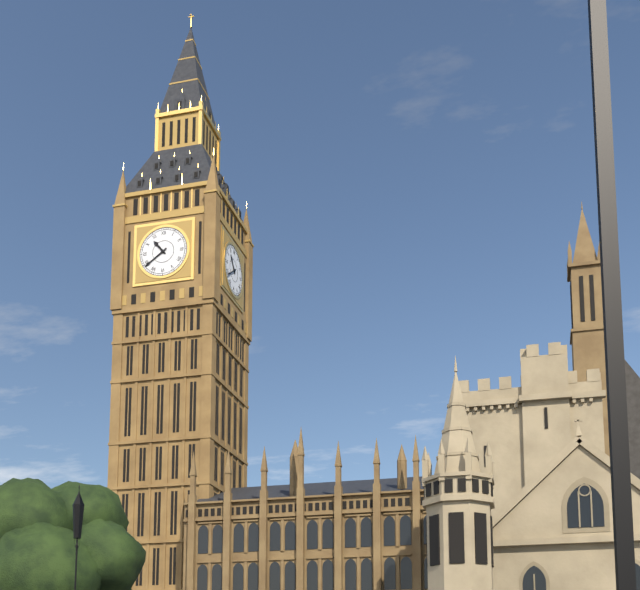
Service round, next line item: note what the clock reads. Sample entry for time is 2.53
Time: 10.39
